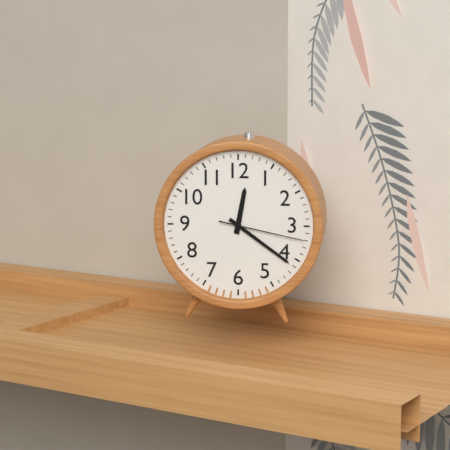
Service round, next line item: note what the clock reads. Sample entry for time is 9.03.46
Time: 12.21.17
